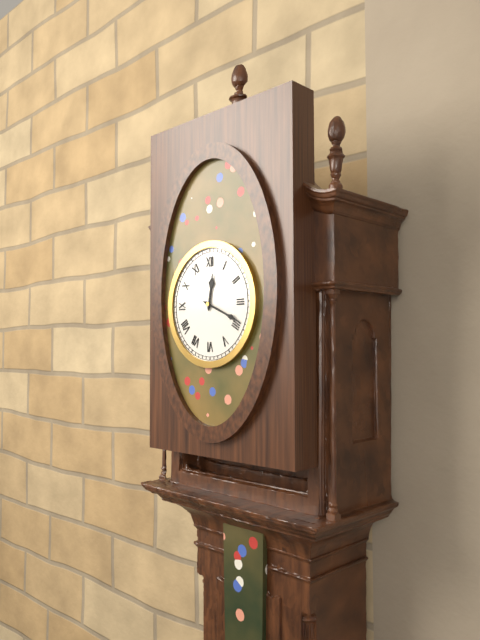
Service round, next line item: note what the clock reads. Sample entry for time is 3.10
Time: 12.19
